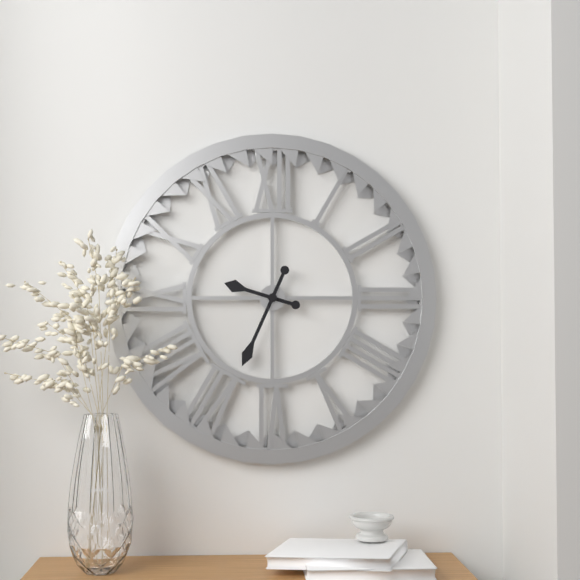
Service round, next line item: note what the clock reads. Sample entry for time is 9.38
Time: 9.34
